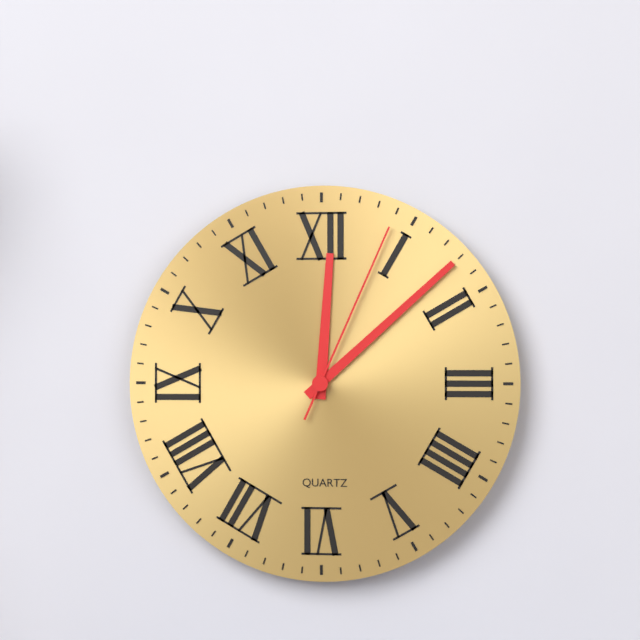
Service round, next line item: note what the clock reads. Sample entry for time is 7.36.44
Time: 12.08.04
